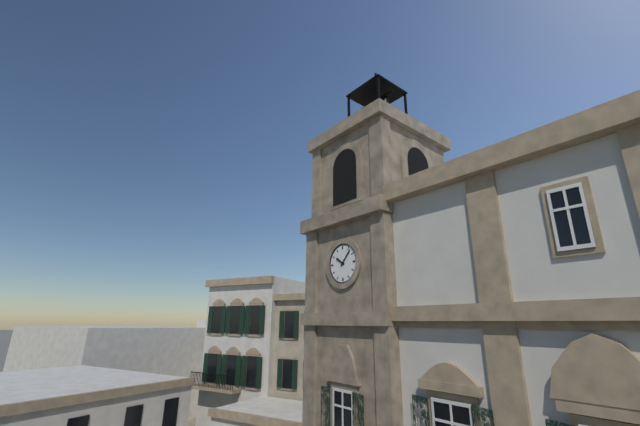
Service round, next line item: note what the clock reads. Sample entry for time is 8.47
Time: 10.07
